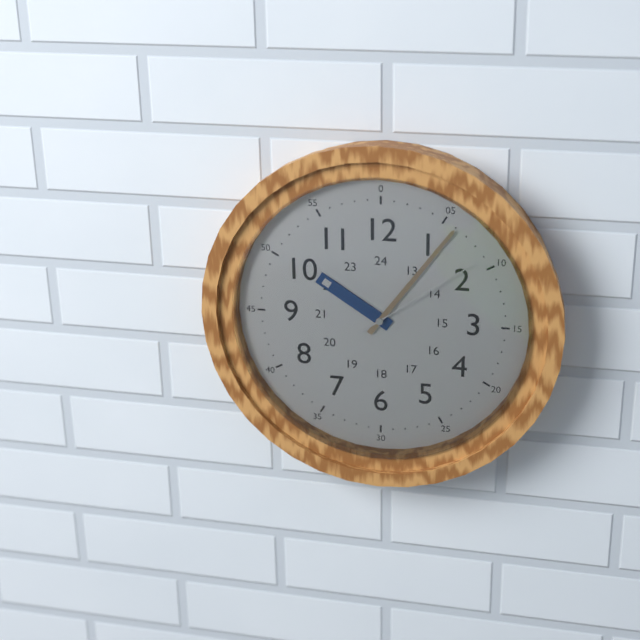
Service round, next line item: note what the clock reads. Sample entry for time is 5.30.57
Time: 10.06.09
